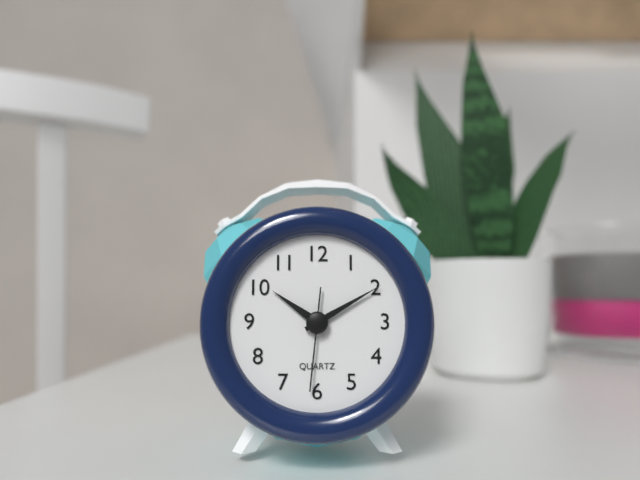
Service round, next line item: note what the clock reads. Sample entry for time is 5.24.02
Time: 10.10.31
